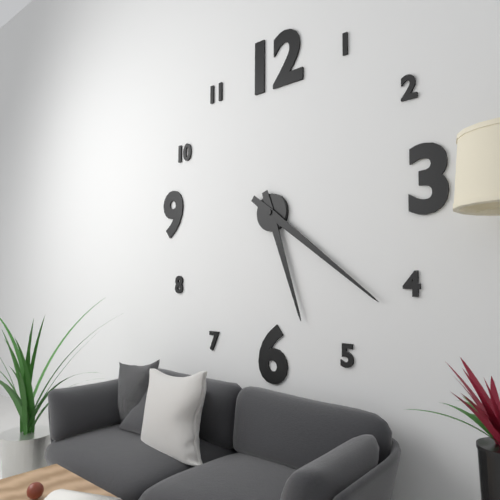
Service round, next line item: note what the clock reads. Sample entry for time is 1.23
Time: 5.21
